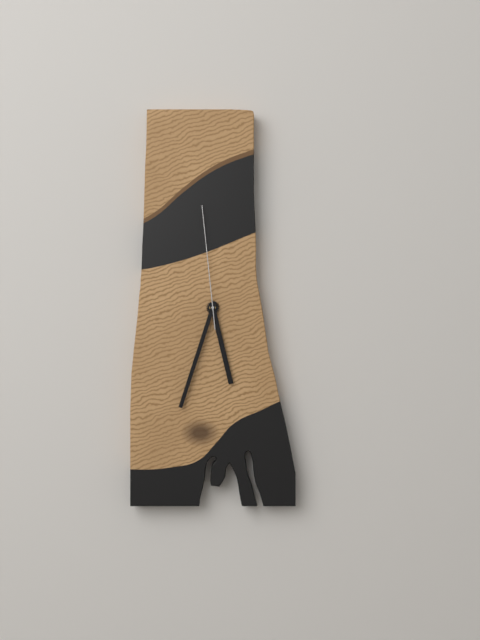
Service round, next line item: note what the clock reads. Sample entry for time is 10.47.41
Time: 5.33.59
